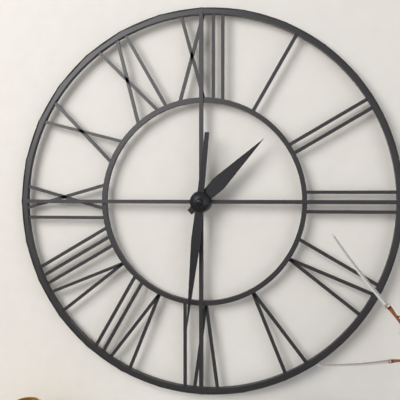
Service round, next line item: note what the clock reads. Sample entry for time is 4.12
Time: 1.31
